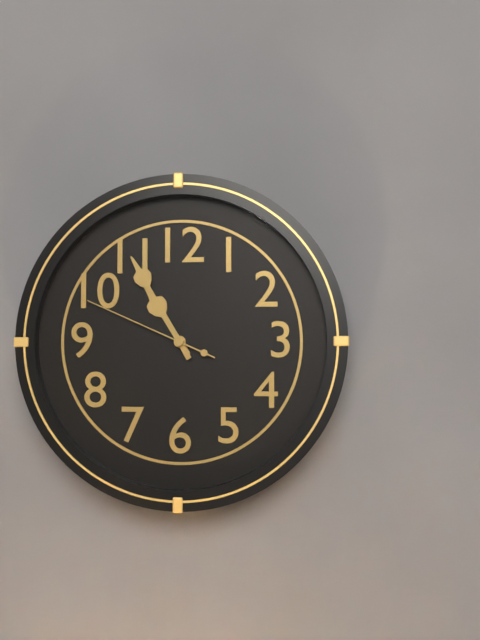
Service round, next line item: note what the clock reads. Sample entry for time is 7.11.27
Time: 10.55.49
